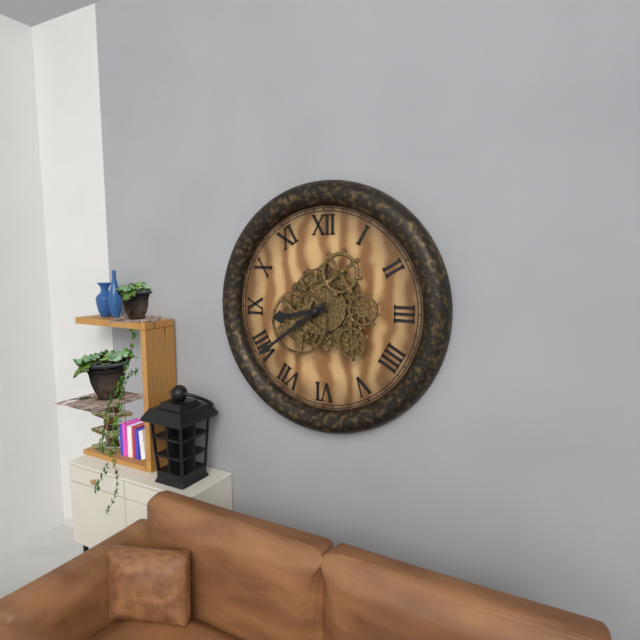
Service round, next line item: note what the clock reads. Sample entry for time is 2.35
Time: 8.39
